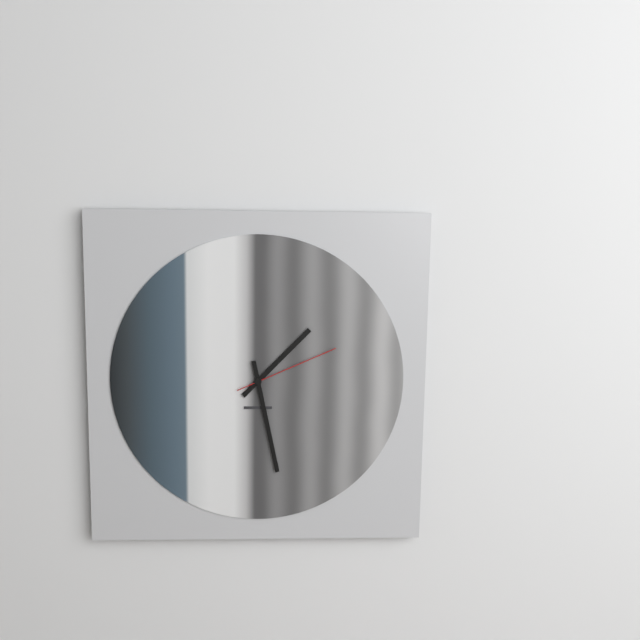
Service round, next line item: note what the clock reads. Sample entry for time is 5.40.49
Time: 1.28.11
